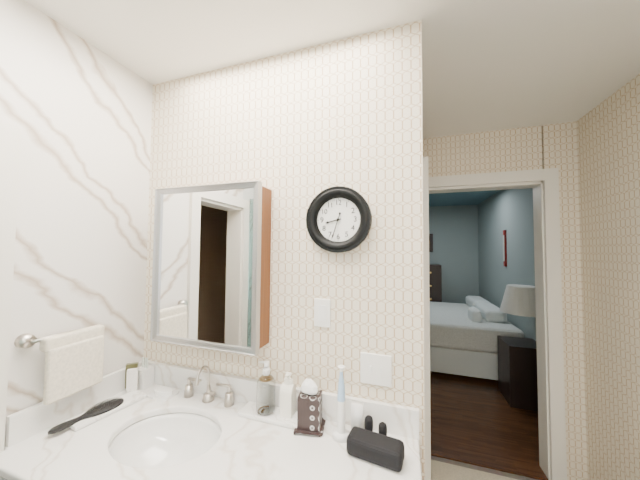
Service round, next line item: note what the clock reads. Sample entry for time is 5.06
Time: 8.33
